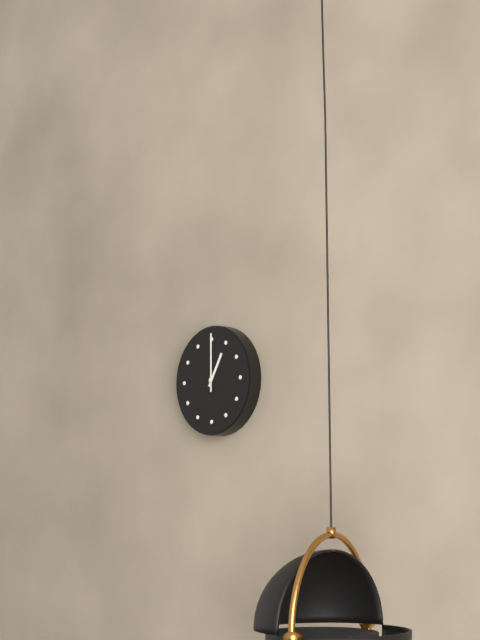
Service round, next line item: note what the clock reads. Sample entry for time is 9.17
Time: 1.00
